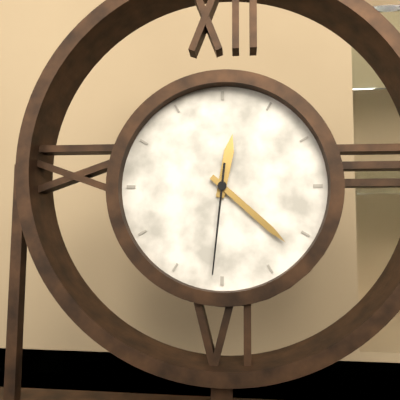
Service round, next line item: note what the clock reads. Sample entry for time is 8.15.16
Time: 12.22.31
